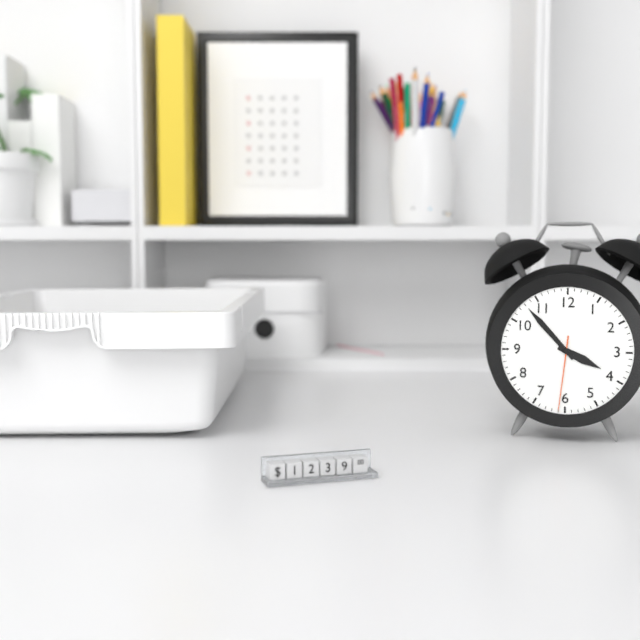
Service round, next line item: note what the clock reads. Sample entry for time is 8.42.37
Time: 3.53.31
